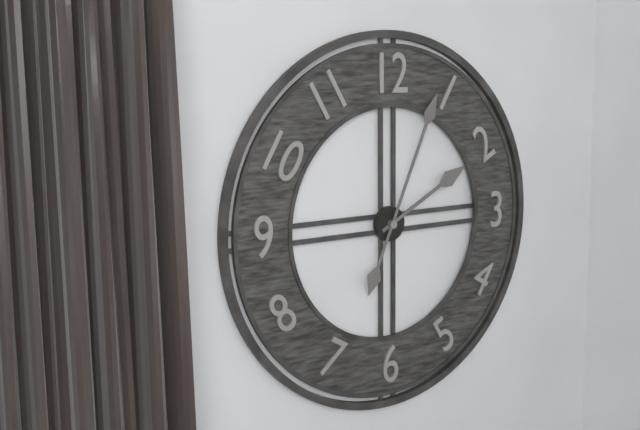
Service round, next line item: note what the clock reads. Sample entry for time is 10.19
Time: 2.04
